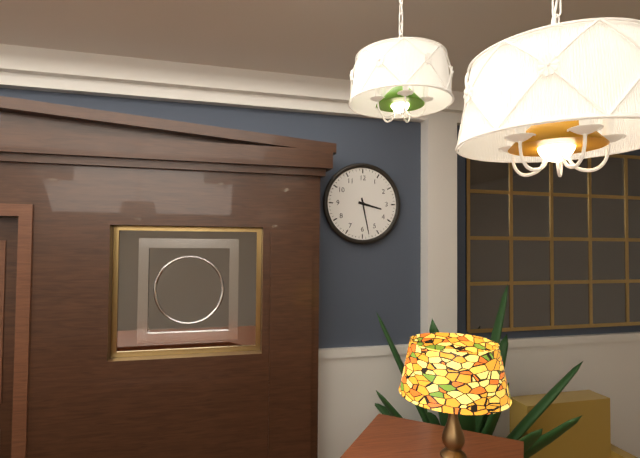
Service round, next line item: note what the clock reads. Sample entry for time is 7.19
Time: 3.28
